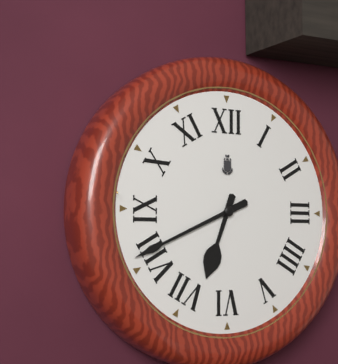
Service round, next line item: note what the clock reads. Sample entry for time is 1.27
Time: 6.41
